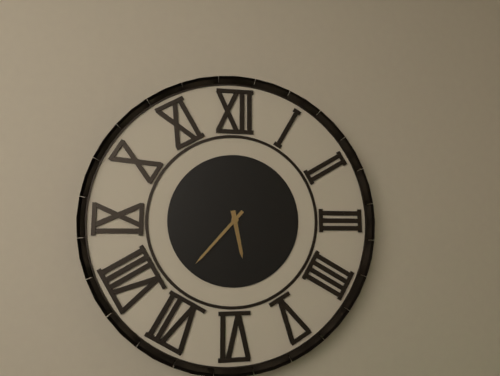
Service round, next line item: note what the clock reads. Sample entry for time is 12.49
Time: 5.37
